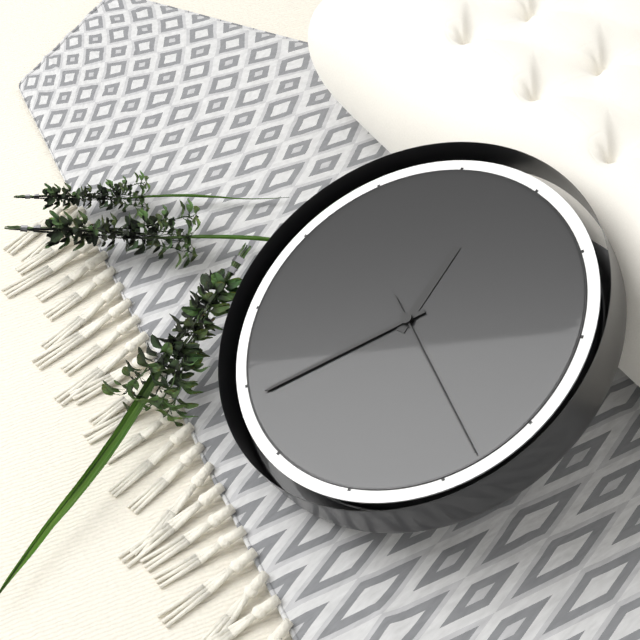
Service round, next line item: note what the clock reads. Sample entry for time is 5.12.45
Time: 11.34.18
